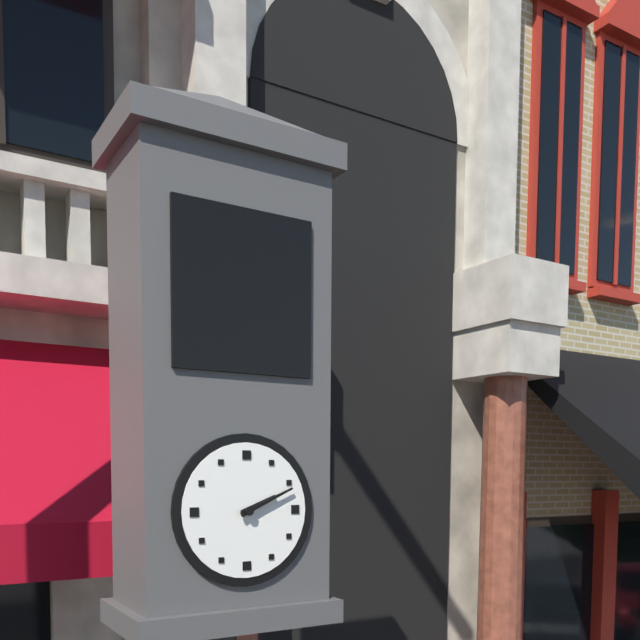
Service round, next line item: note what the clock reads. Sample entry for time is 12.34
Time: 2.11
